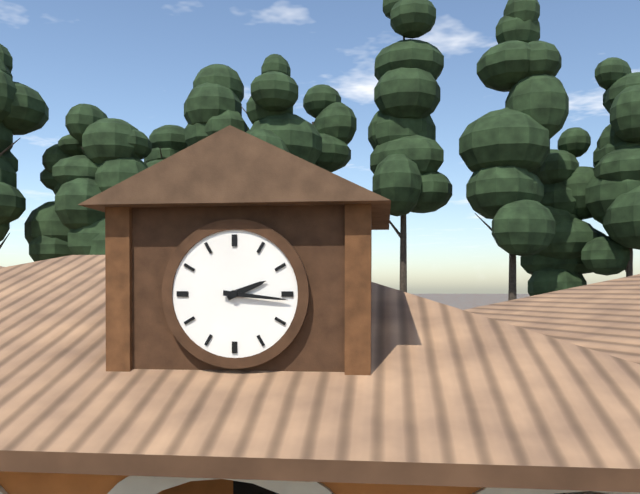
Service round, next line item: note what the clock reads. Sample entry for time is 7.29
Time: 2.16
